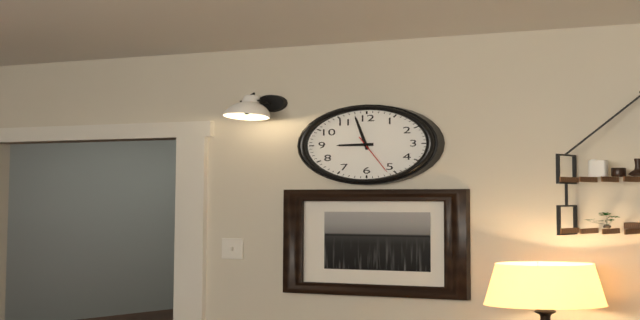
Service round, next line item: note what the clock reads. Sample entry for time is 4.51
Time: 8.58
